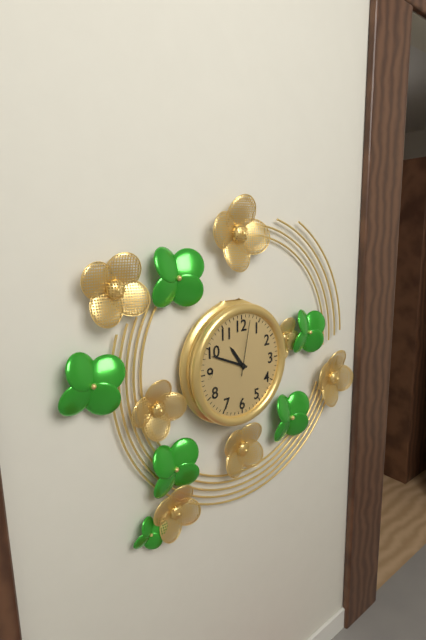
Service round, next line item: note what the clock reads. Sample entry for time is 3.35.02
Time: 10.49.02
